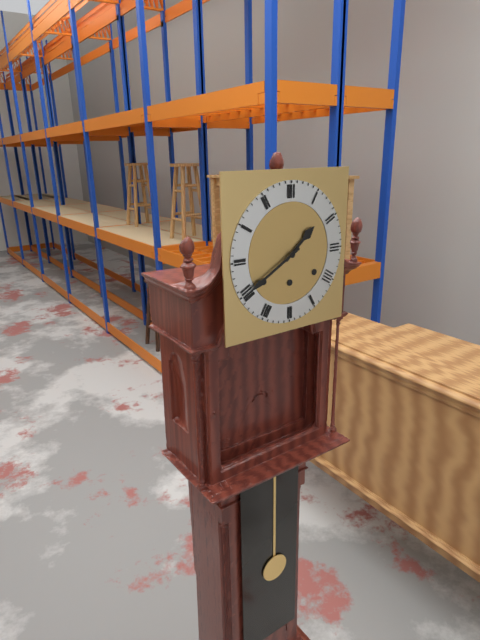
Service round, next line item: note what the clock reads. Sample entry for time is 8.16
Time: 1.40
